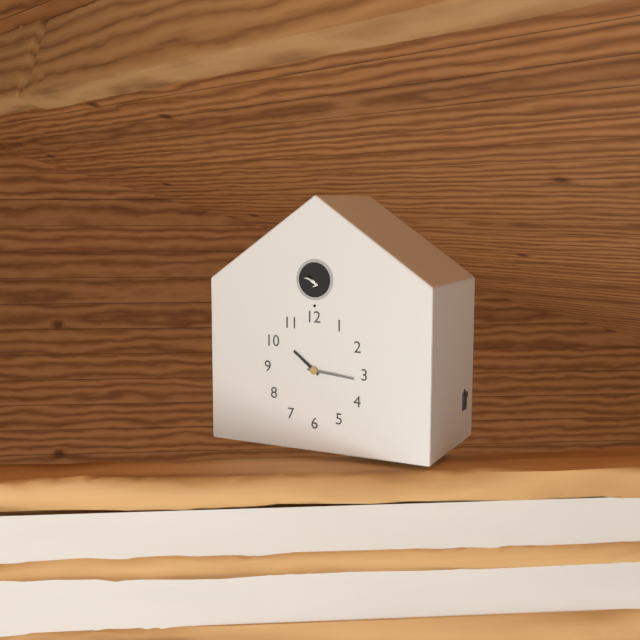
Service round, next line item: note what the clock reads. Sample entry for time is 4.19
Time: 10.16
